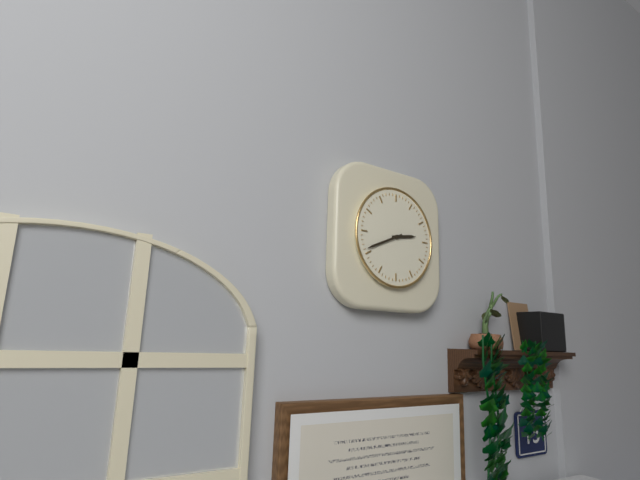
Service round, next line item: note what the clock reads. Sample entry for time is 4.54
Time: 2.41
